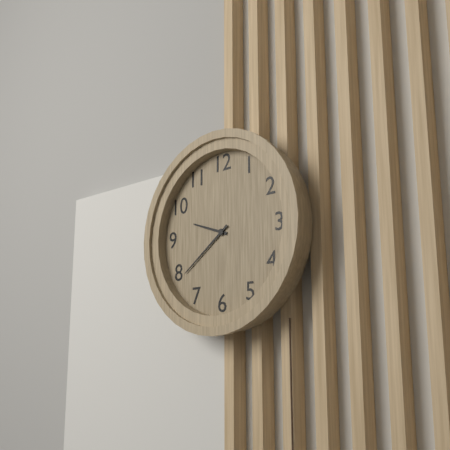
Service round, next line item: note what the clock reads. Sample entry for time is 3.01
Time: 9.39
